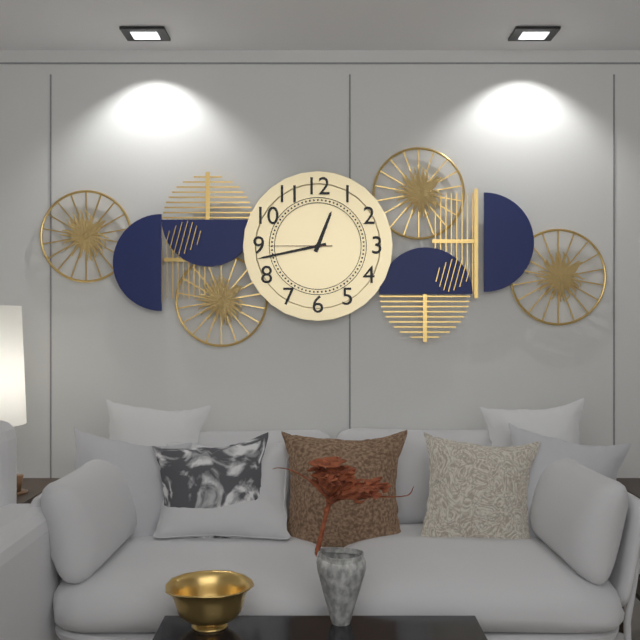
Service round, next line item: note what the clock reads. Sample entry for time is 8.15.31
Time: 12.43.45
